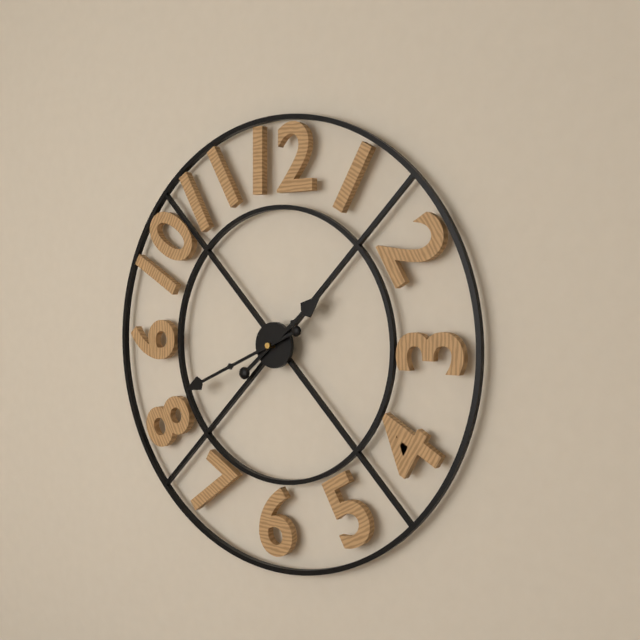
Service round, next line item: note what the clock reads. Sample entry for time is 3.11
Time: 1.41
